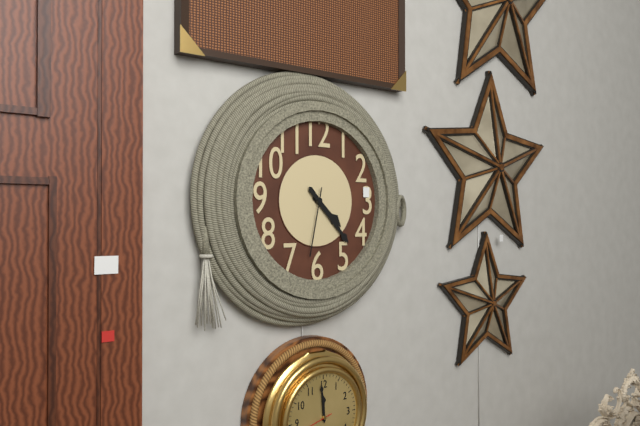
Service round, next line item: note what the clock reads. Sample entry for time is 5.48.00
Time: 4.23.32
